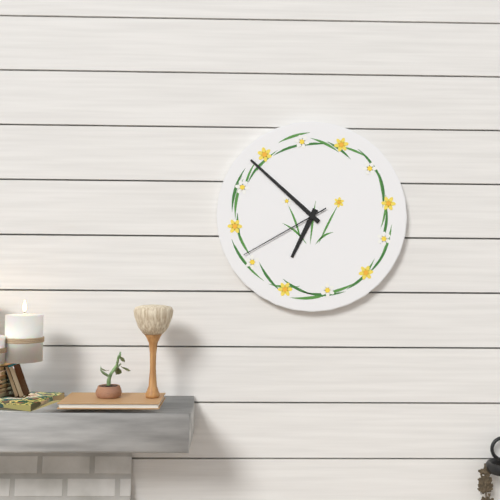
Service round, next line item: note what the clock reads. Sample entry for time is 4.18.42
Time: 6.52.40
